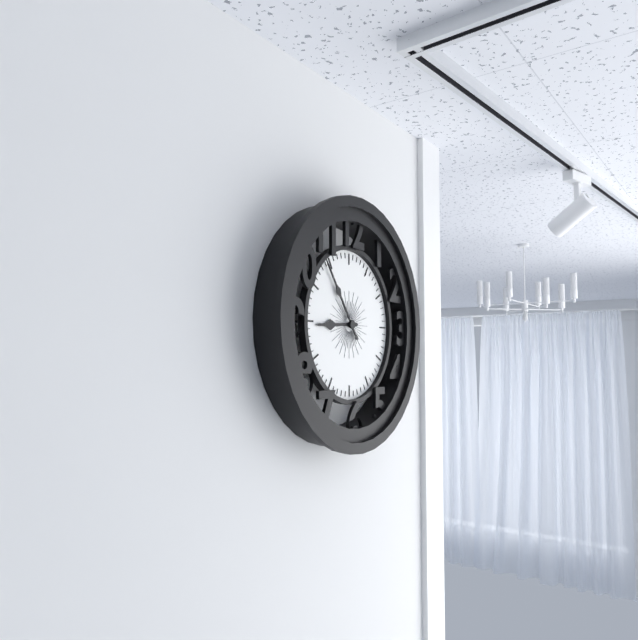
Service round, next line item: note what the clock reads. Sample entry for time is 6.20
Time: 8.54
